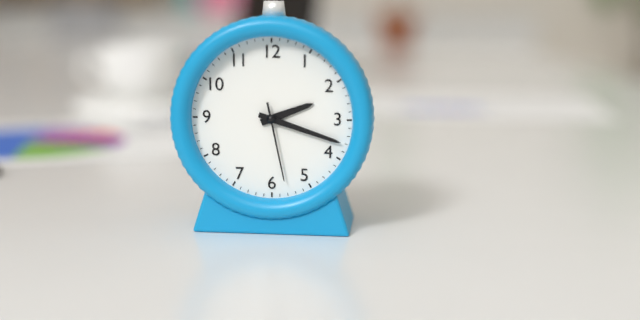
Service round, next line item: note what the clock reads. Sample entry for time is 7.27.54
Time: 2.18.28
